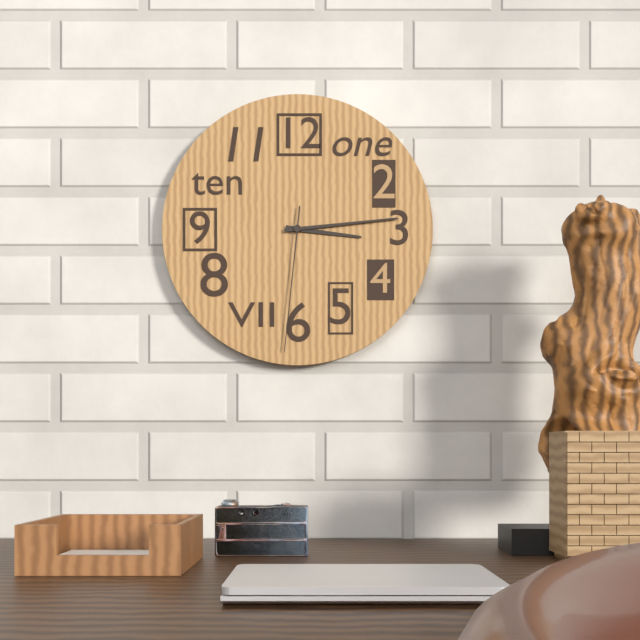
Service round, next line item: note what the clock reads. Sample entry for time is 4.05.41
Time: 3.14.31
